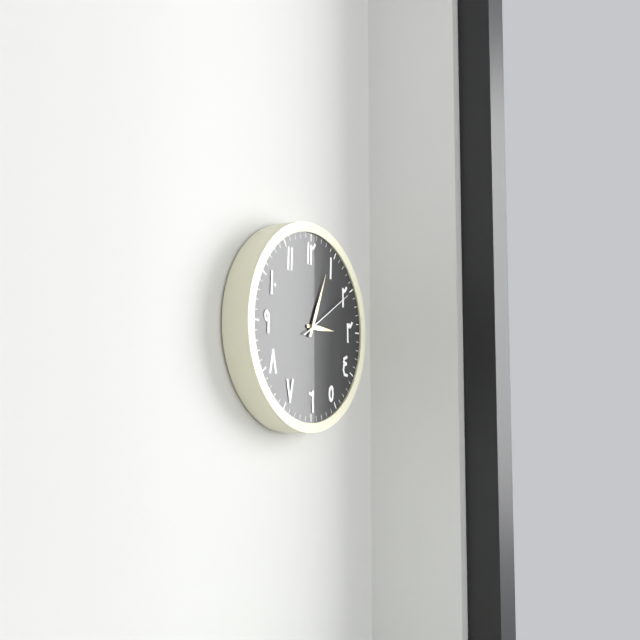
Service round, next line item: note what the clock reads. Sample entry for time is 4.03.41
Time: 3.04.10
